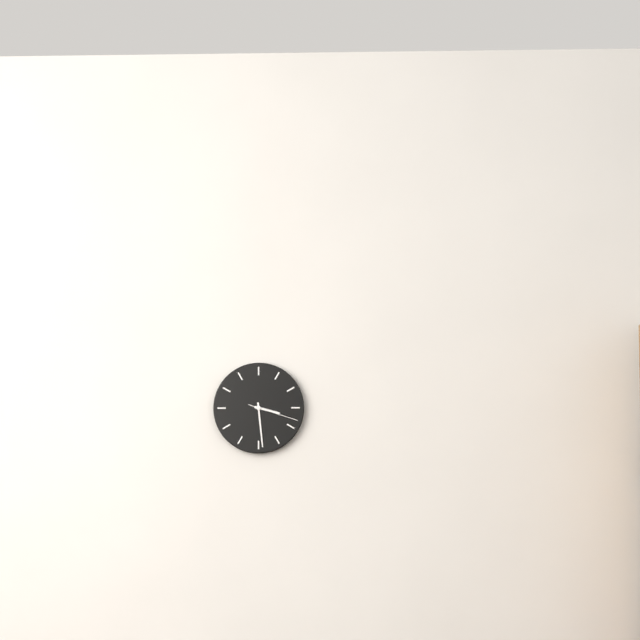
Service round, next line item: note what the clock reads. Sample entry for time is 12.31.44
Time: 3.29.18
